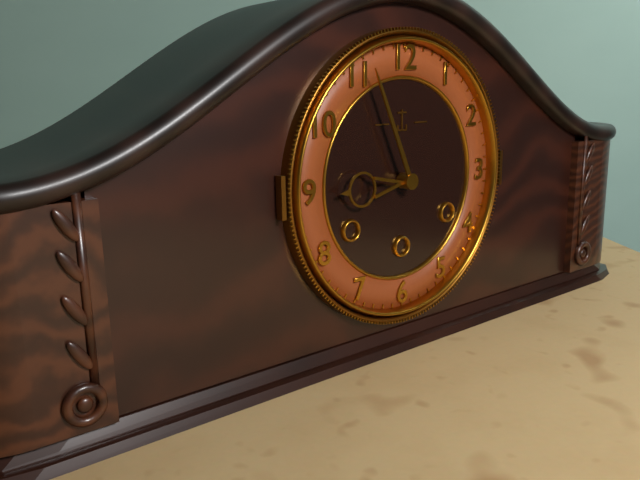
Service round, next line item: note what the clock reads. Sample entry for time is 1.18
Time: 8.56
